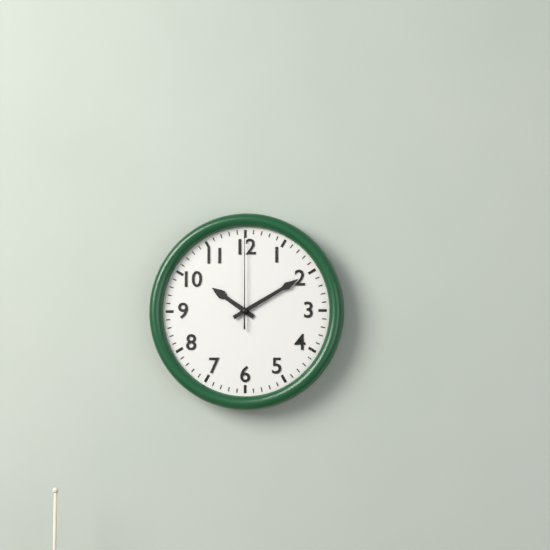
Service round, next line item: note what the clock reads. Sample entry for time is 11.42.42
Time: 10.10.00
